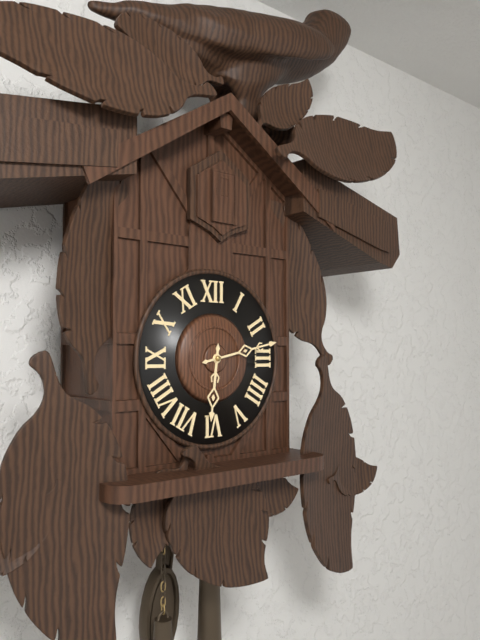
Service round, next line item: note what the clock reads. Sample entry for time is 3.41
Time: 6.13
